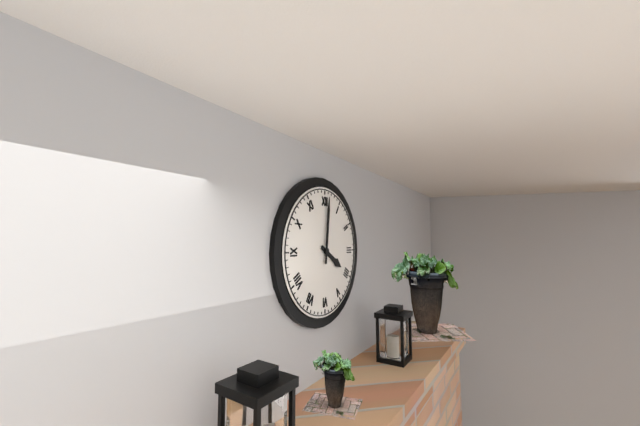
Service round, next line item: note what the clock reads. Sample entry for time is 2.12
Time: 4.01
